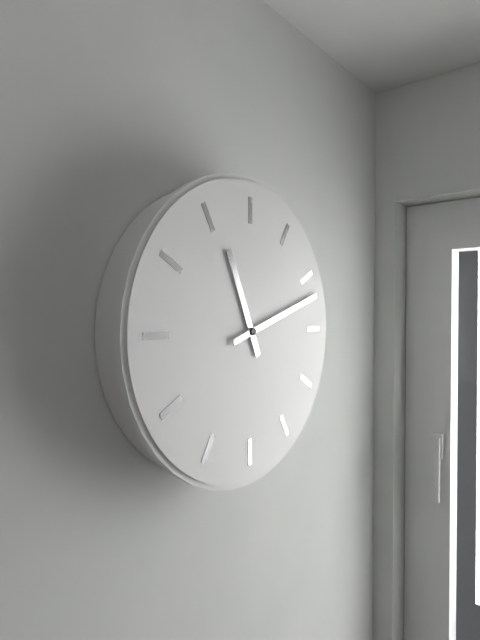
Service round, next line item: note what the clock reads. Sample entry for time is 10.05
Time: 11.12
